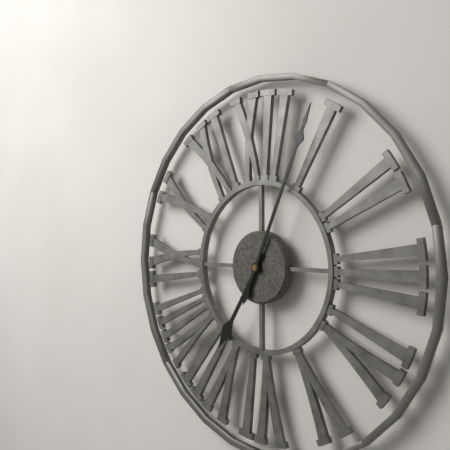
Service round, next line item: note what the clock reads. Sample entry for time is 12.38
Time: 7.04
